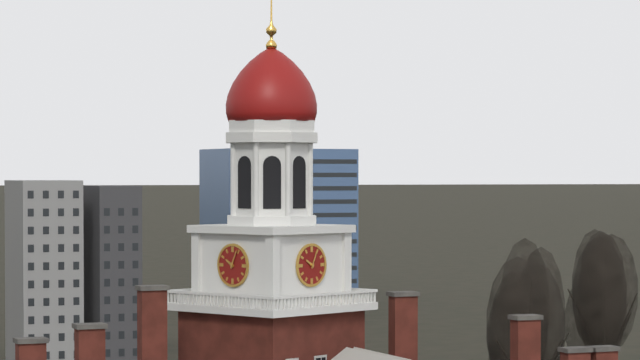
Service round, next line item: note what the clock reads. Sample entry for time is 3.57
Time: 10.04
